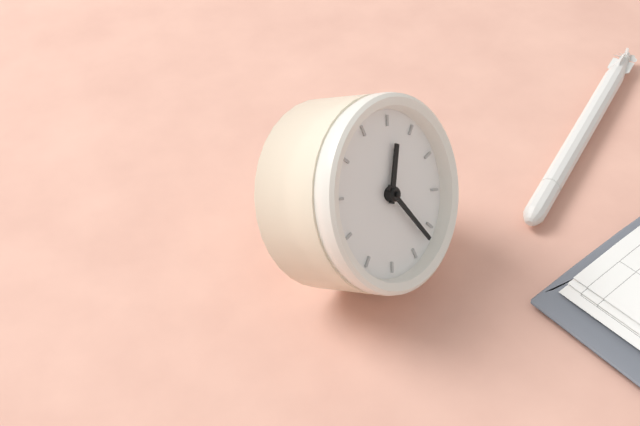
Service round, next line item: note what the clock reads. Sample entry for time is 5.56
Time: 12.22
